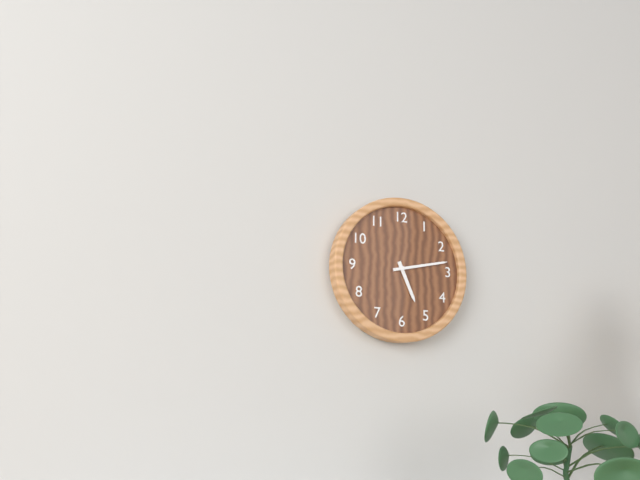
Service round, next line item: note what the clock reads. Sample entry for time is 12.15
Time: 5.13
